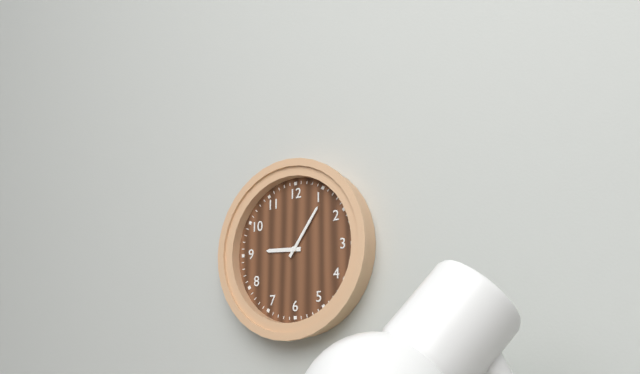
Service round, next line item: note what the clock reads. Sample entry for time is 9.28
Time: 9.06
